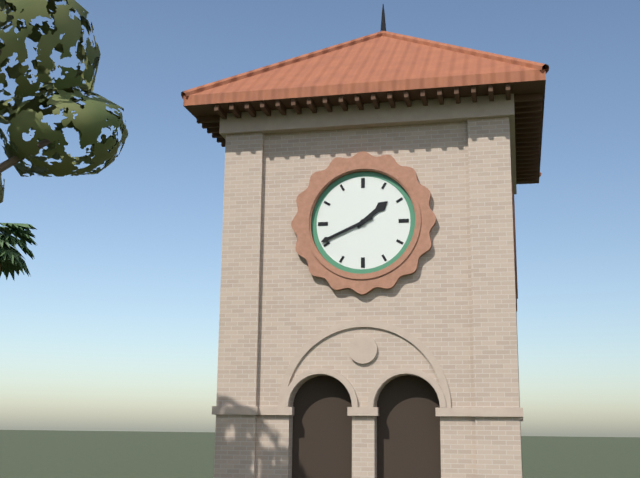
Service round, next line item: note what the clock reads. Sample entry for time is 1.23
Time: 1.41
